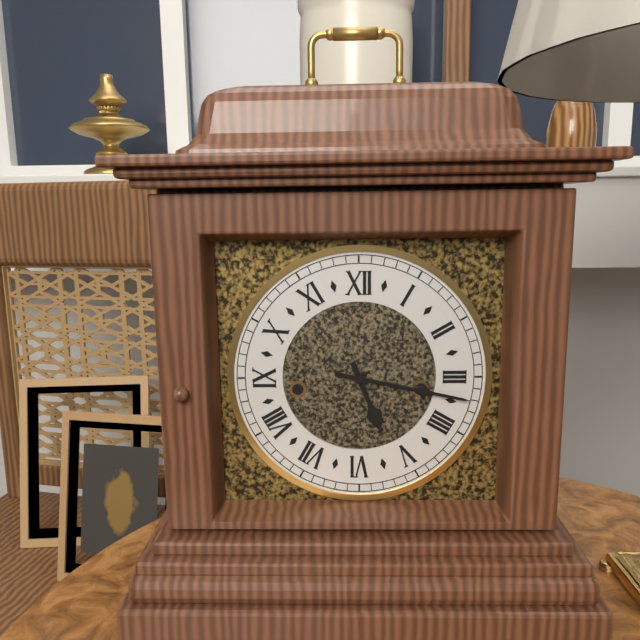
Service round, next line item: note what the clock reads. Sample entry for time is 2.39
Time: 5.17
